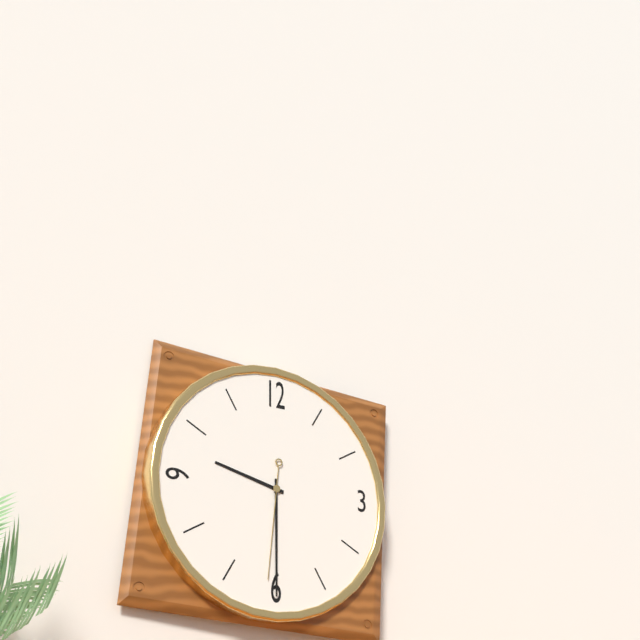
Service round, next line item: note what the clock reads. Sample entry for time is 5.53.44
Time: 9.30.31
